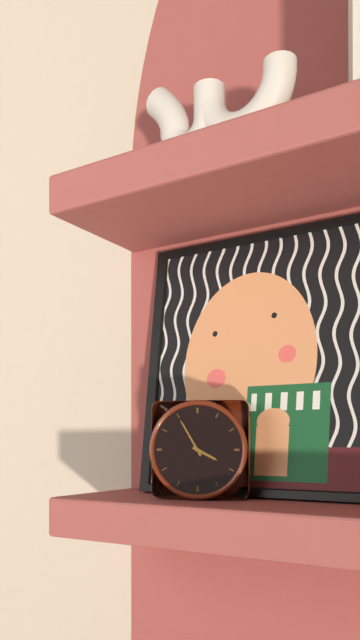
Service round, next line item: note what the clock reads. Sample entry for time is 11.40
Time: 3.55
